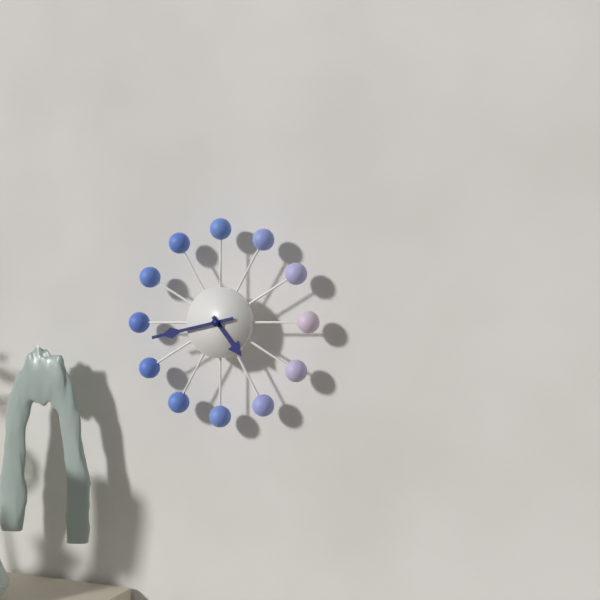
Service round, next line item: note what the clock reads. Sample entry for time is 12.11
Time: 4.43
